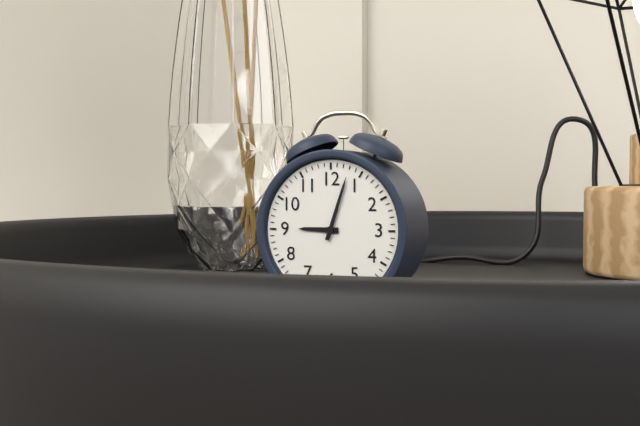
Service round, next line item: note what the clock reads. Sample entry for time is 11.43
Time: 9.03
